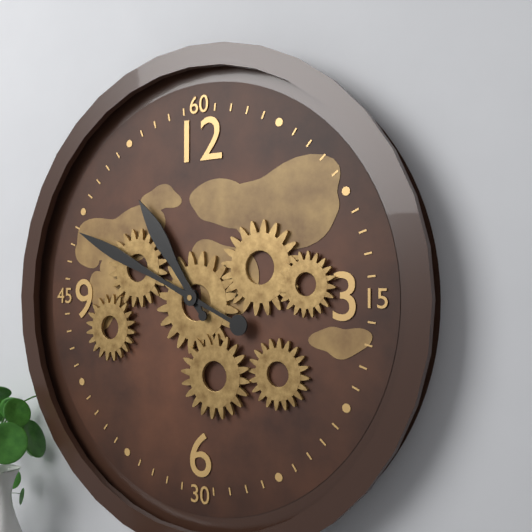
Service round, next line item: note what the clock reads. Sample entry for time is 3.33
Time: 10.49
